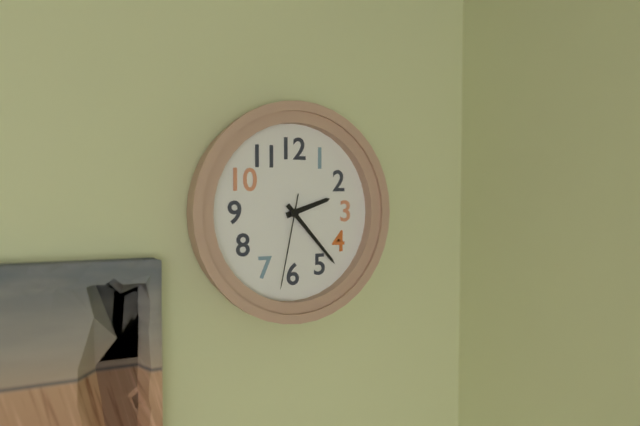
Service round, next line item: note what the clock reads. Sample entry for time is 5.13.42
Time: 2.23.32
